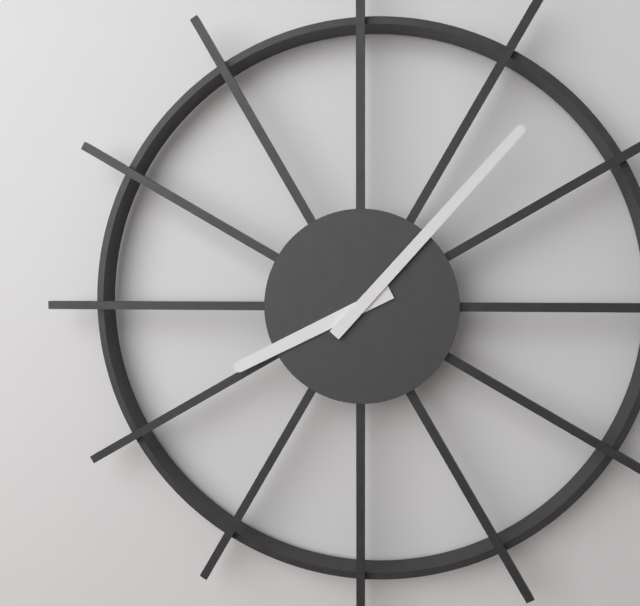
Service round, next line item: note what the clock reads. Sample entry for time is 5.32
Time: 8.07
